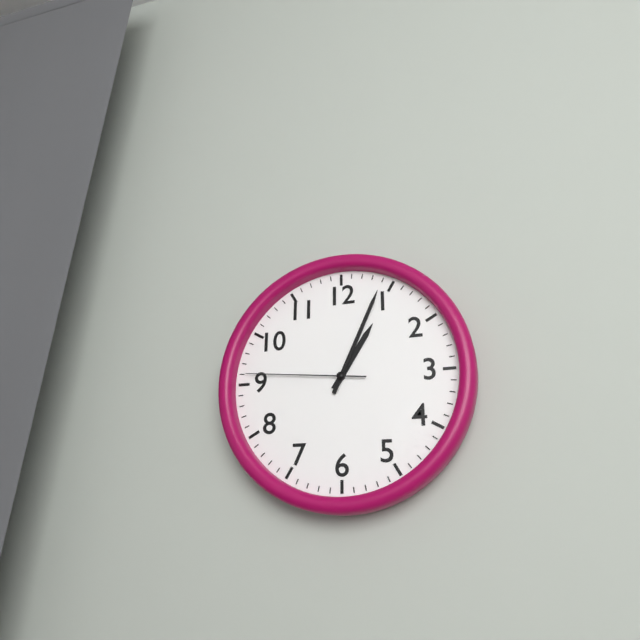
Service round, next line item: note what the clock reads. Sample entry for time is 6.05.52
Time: 1.04.46
